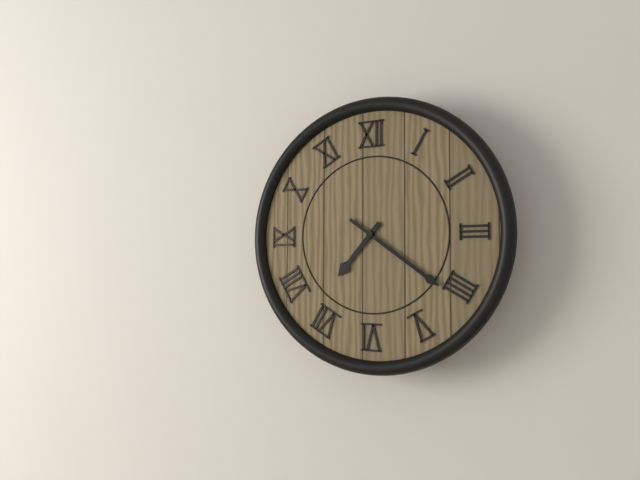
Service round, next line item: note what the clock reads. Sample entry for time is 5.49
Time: 7.21
